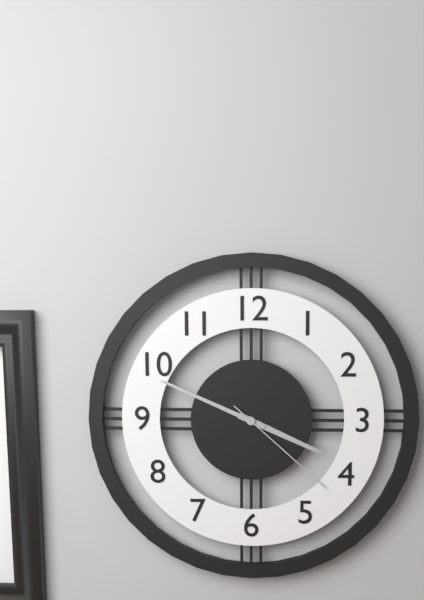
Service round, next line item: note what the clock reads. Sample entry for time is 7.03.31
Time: 3.49.22
